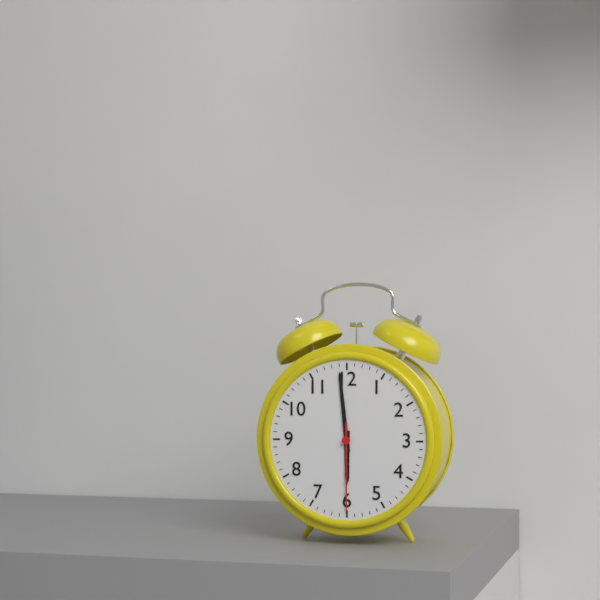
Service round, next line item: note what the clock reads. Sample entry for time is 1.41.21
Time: 5.59.30
